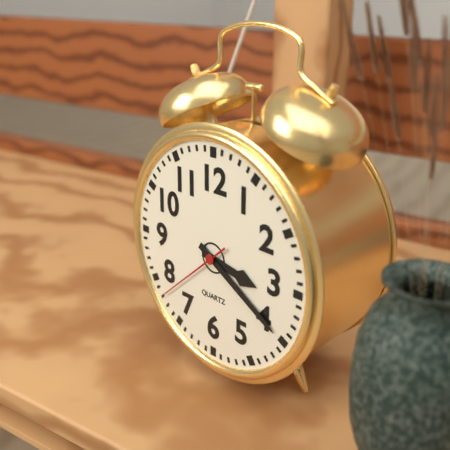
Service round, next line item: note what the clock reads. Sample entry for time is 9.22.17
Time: 3.20.38
